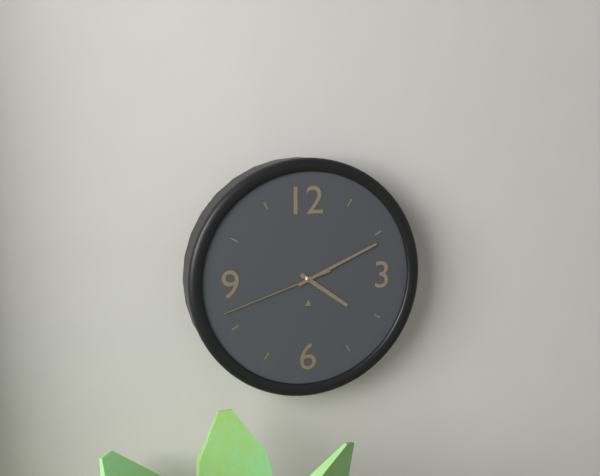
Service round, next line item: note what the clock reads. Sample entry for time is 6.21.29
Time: 4.11.42
